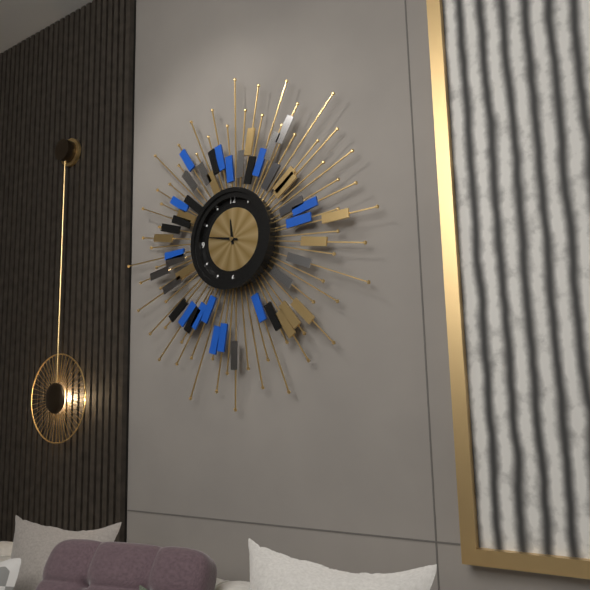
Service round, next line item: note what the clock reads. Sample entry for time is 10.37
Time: 11.47
